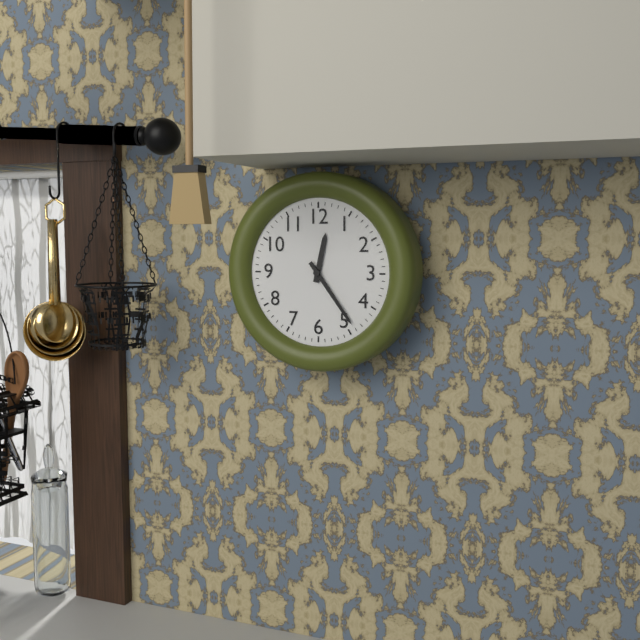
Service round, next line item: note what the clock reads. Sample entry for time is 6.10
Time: 12.24
